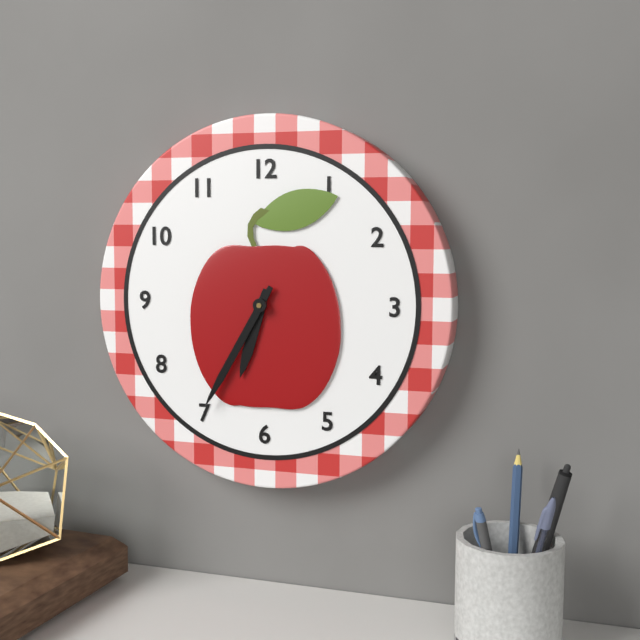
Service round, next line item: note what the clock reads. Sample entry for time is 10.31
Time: 6.35
